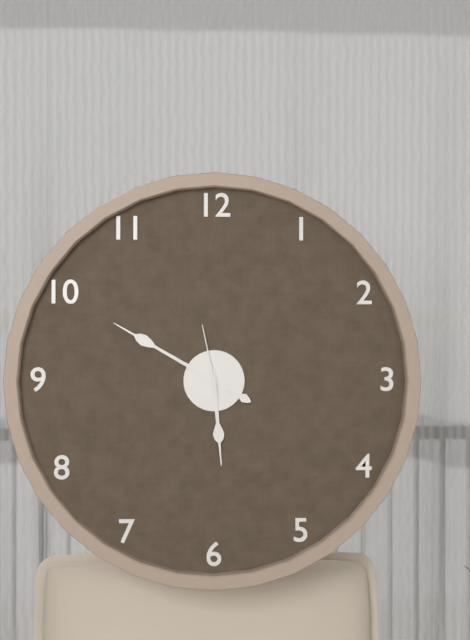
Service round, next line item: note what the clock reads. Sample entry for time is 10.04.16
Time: 5.50.58
